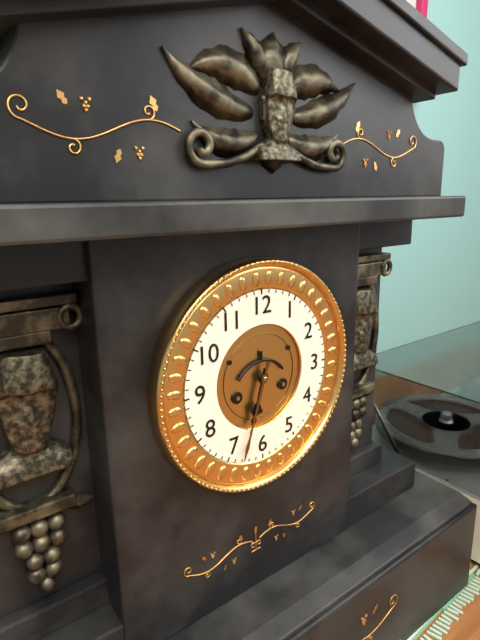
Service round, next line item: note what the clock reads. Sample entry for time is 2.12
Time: 6.33
